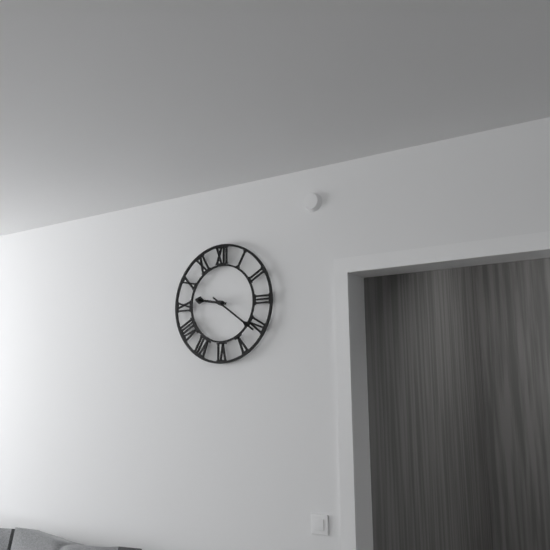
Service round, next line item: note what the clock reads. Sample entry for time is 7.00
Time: 9.21
